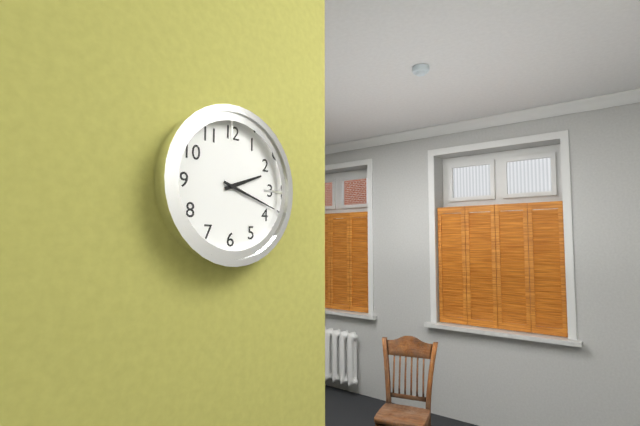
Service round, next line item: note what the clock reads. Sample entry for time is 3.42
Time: 2.18
